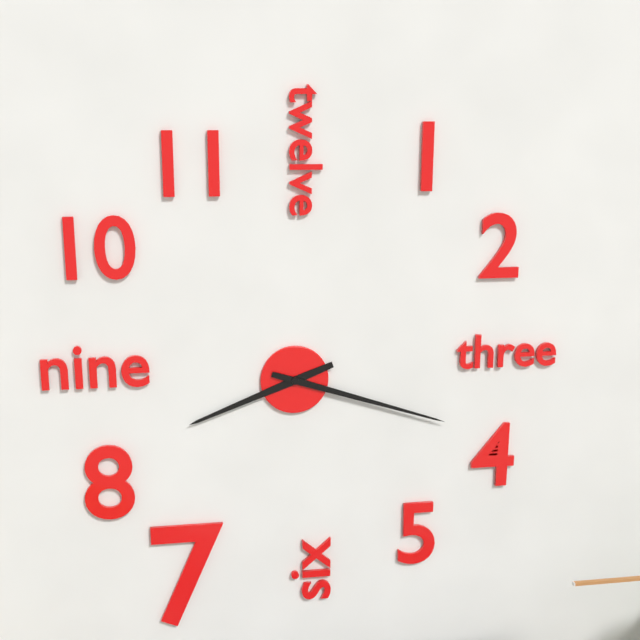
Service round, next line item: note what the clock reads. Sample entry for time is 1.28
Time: 8.18
